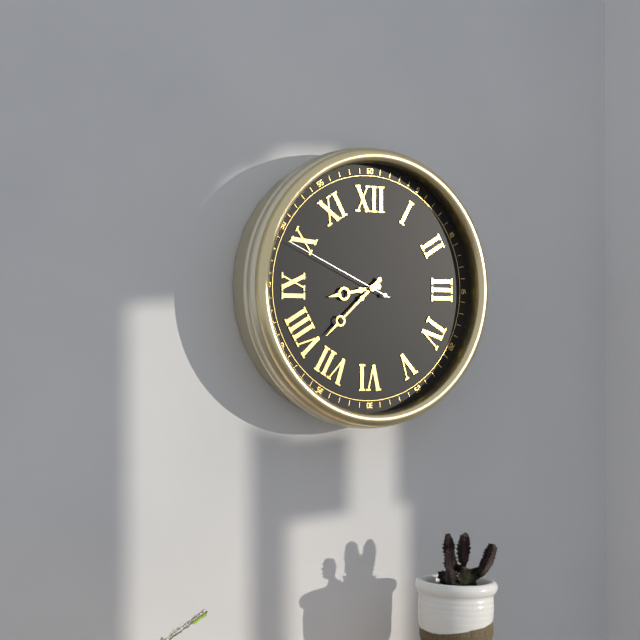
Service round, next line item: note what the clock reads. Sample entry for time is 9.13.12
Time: 8.38.49
